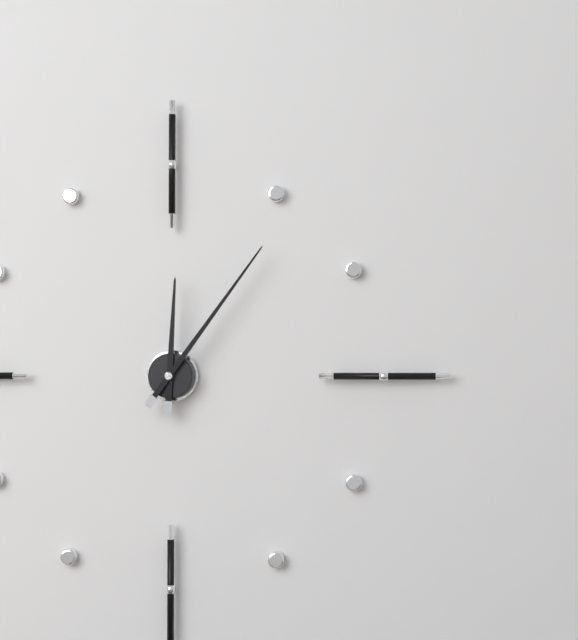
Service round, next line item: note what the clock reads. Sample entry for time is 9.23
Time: 12.06
